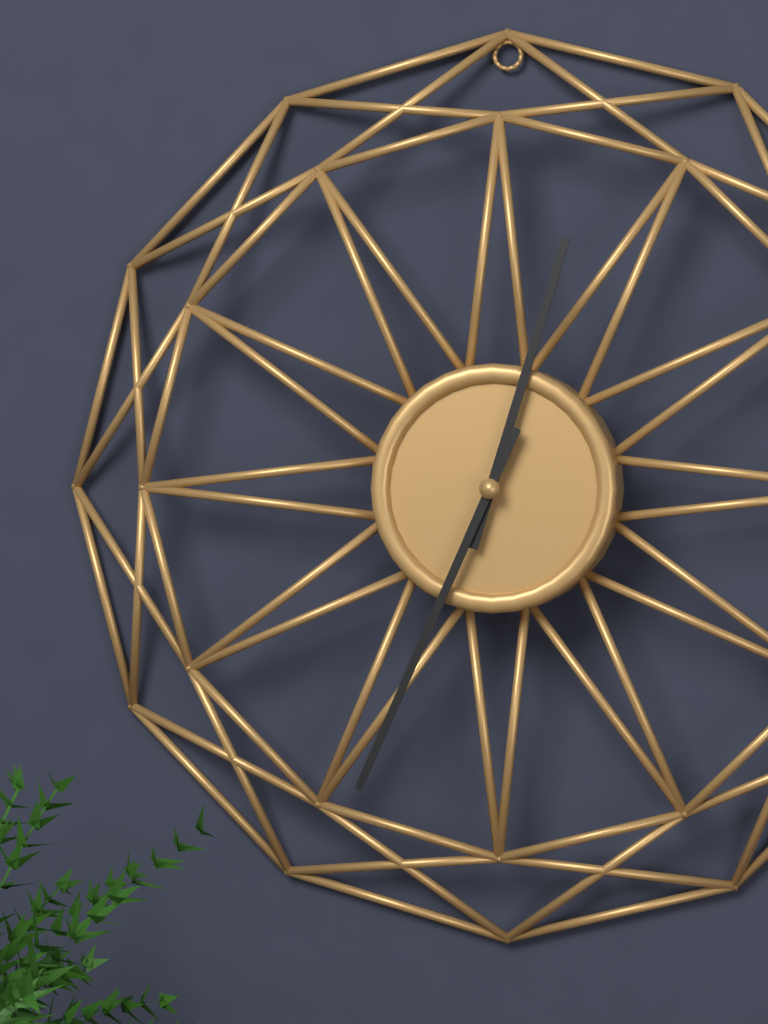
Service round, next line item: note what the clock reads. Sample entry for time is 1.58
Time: 12.34
